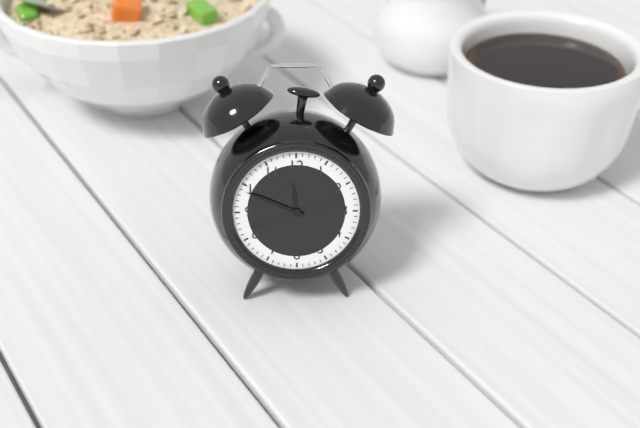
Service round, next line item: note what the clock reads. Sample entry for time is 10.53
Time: 11.49
